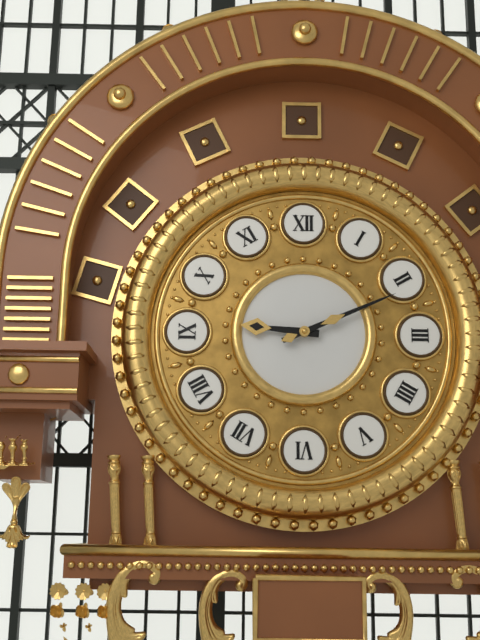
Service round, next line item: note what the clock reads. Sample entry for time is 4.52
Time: 9.11
